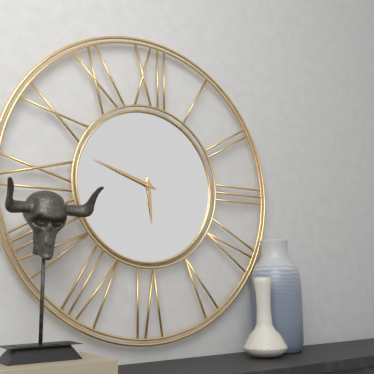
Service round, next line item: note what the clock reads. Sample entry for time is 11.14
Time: 5.48
